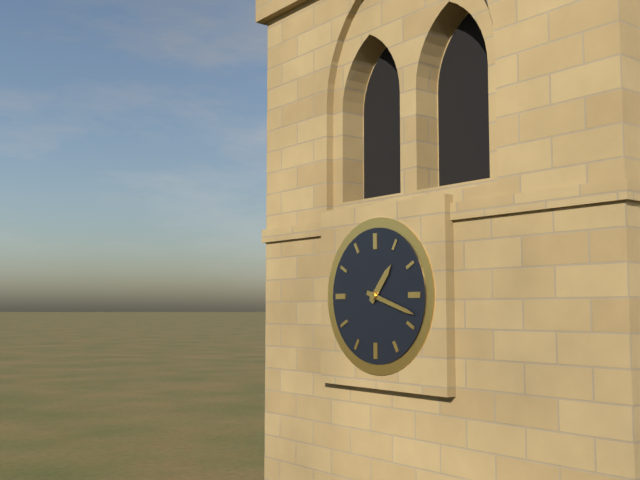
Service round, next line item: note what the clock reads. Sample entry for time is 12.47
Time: 1.18
